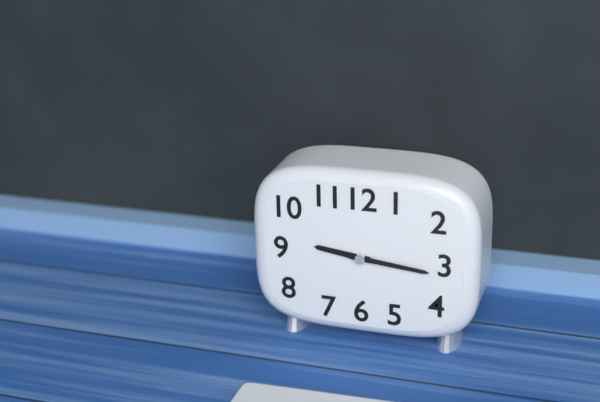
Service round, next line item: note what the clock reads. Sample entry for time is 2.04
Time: 9.16
